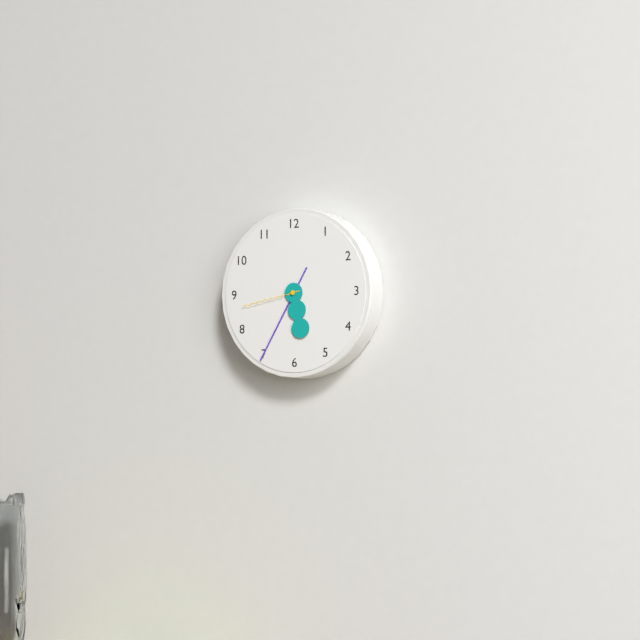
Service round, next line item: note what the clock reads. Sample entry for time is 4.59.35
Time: 5.35.43
